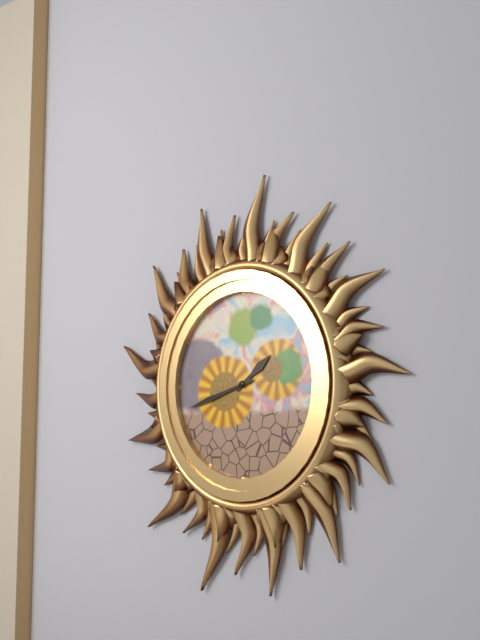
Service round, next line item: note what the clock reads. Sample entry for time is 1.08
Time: 1.42
